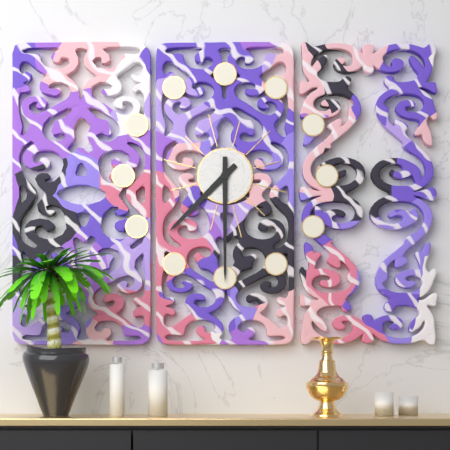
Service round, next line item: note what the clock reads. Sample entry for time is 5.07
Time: 7.30
